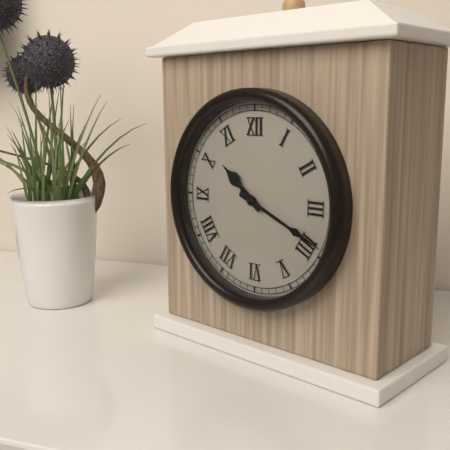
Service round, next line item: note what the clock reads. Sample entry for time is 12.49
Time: 10.19
